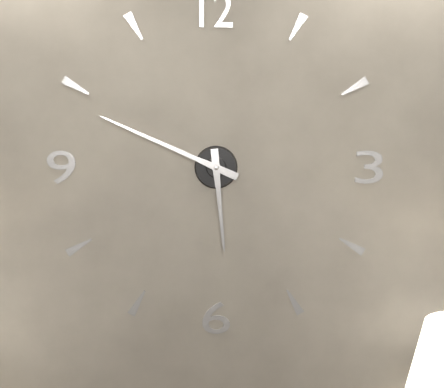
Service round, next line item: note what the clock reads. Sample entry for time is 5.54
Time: 5.49
